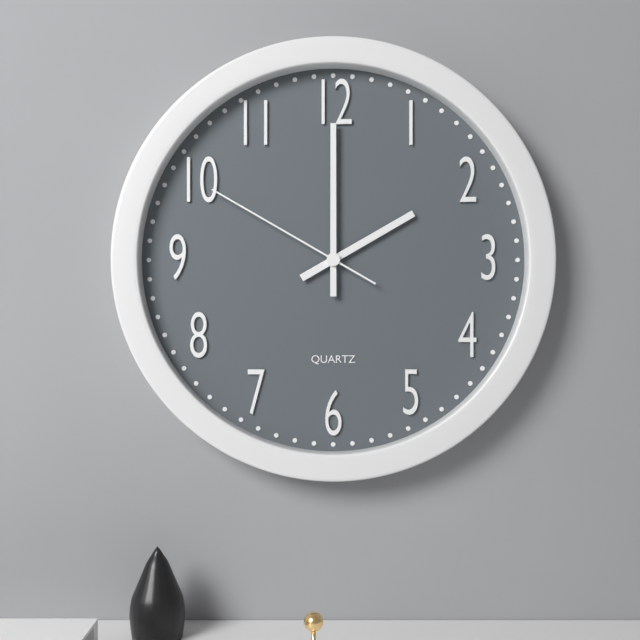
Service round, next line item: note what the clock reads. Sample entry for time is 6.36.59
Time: 2.00.50
